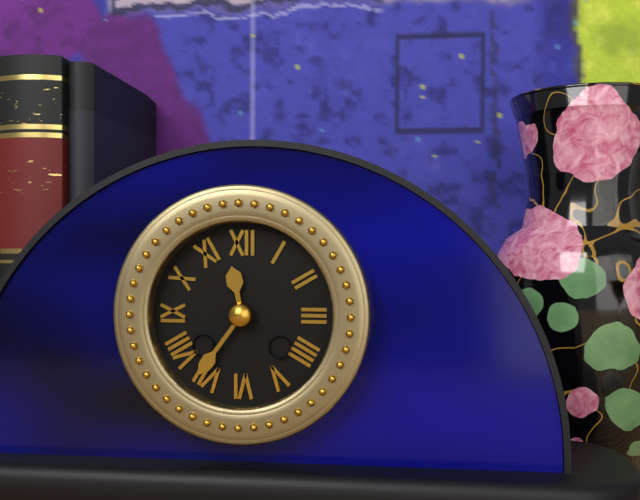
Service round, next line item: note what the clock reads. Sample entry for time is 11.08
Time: 11.36
